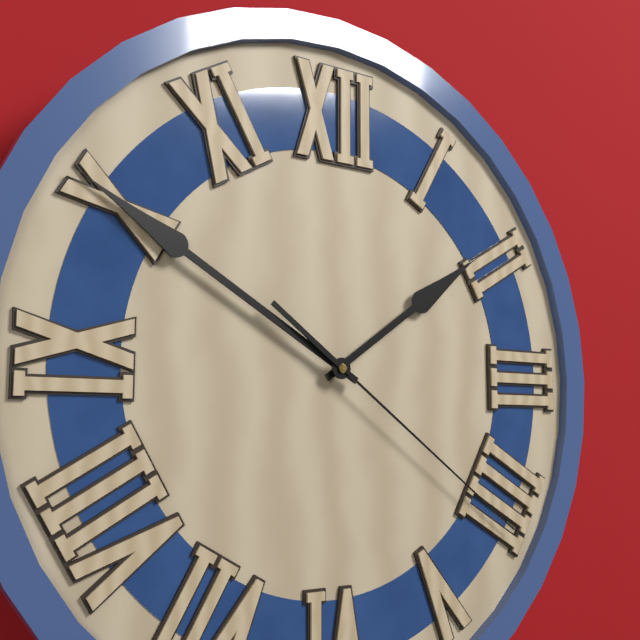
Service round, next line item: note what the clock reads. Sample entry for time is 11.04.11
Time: 1.50.21
